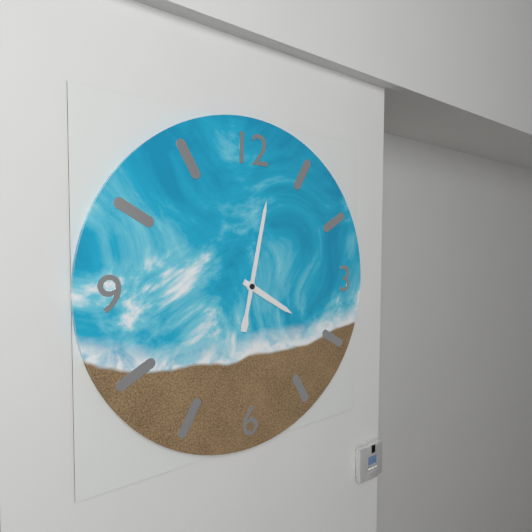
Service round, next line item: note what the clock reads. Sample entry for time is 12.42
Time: 4.02
